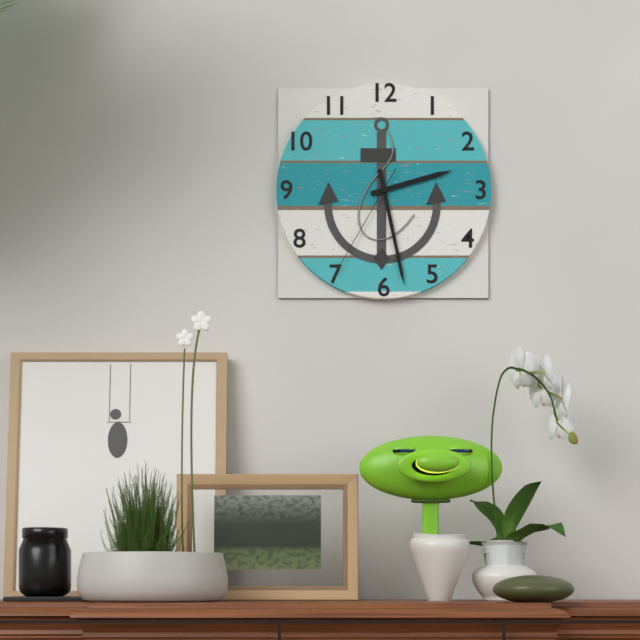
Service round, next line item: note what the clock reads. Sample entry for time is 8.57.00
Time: 2.28.35
